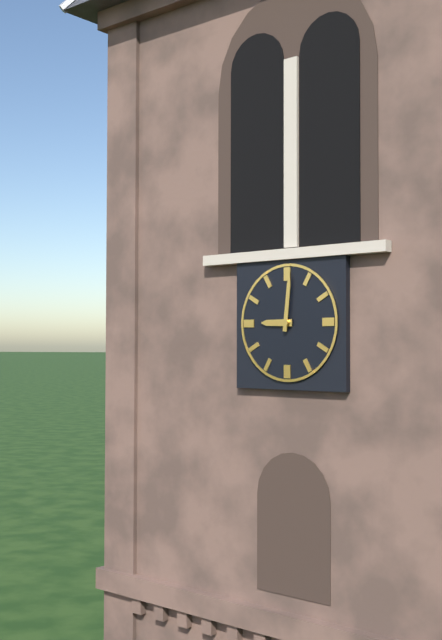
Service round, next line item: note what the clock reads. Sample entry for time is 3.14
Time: 9.01
